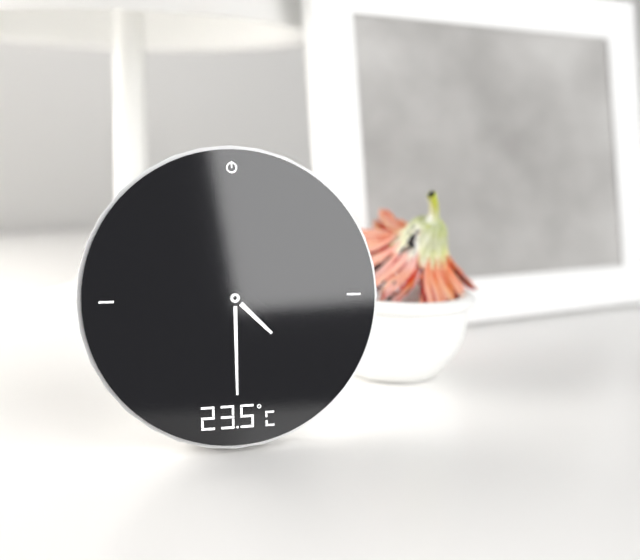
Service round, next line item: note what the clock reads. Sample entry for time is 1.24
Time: 4.30
